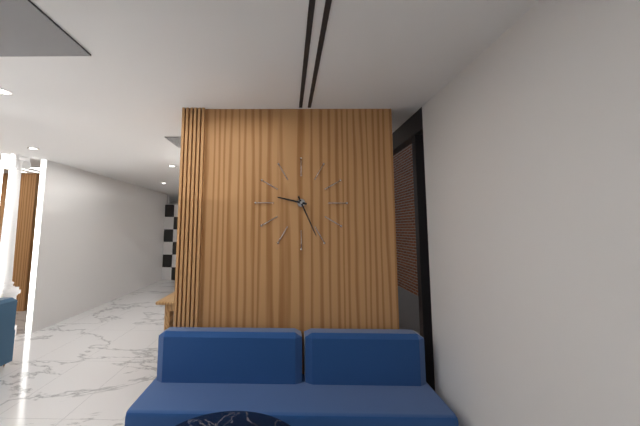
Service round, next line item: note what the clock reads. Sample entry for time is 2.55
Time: 9.26
